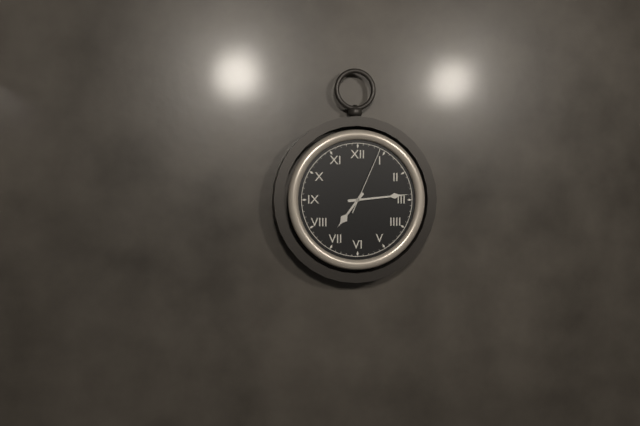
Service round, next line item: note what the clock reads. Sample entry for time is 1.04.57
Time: 7.14.04
